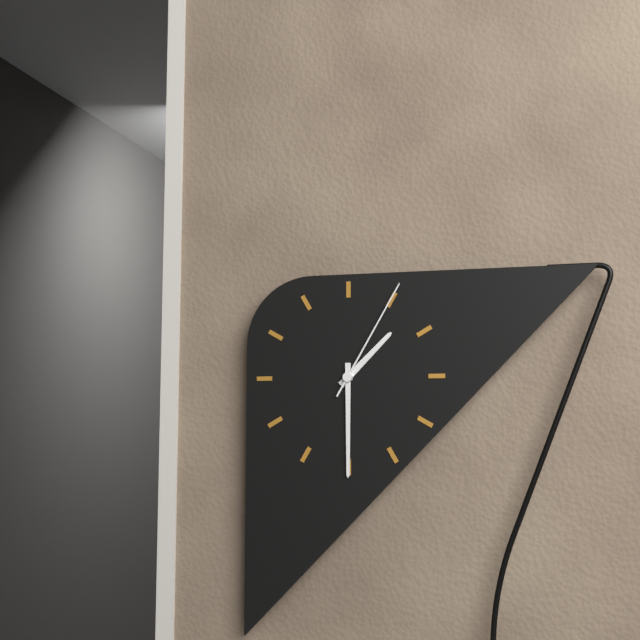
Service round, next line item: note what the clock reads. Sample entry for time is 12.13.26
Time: 1.30.05
